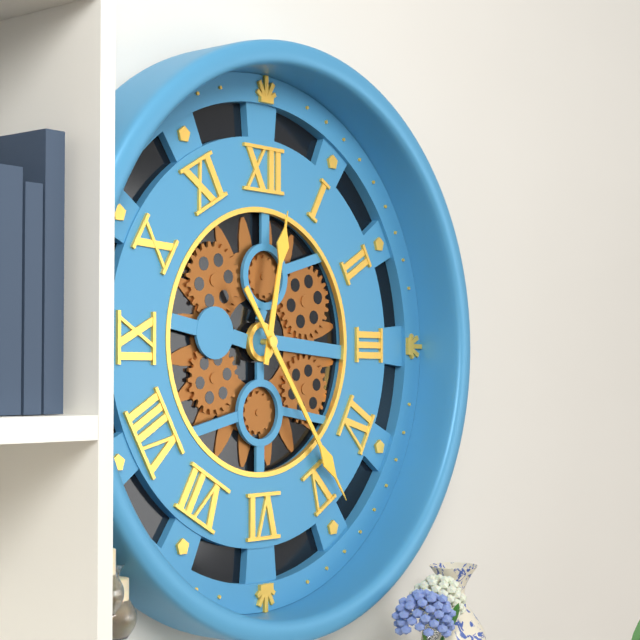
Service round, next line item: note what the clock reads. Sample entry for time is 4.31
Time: 12.24
